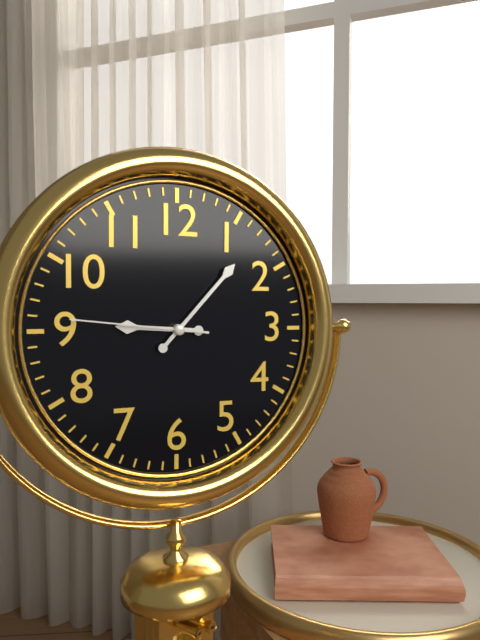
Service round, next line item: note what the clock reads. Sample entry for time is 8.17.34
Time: 9.07.46
